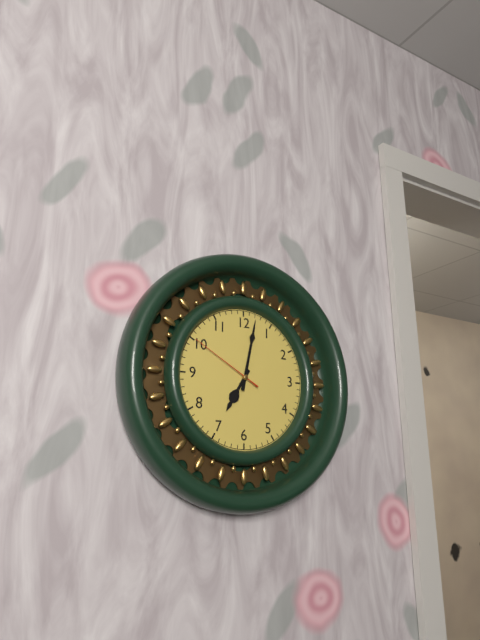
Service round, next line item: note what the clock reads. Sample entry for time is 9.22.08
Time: 7.02.50
